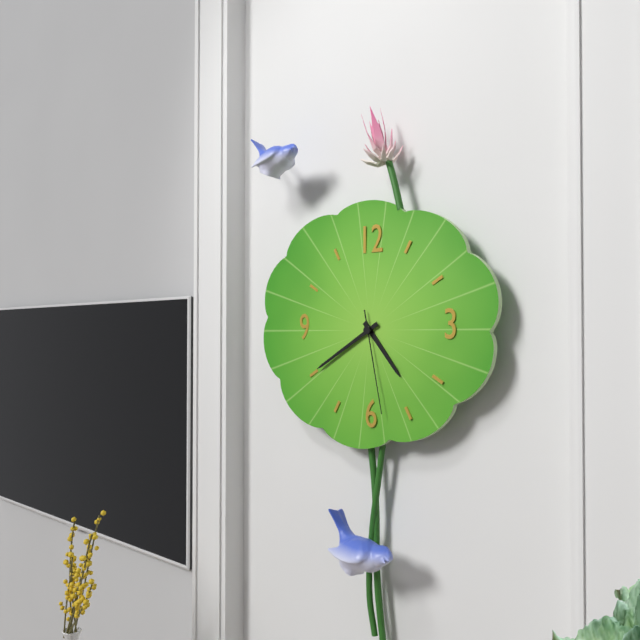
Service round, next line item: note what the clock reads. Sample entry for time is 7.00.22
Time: 4.40.28
